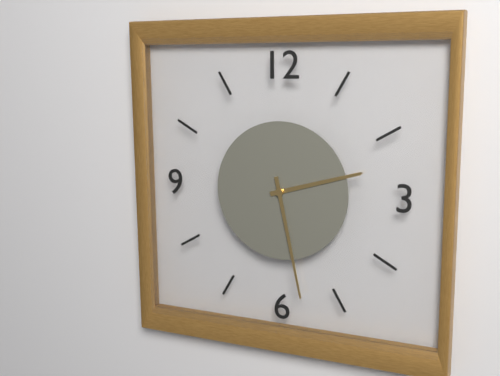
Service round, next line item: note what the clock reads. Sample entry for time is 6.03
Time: 2.28
